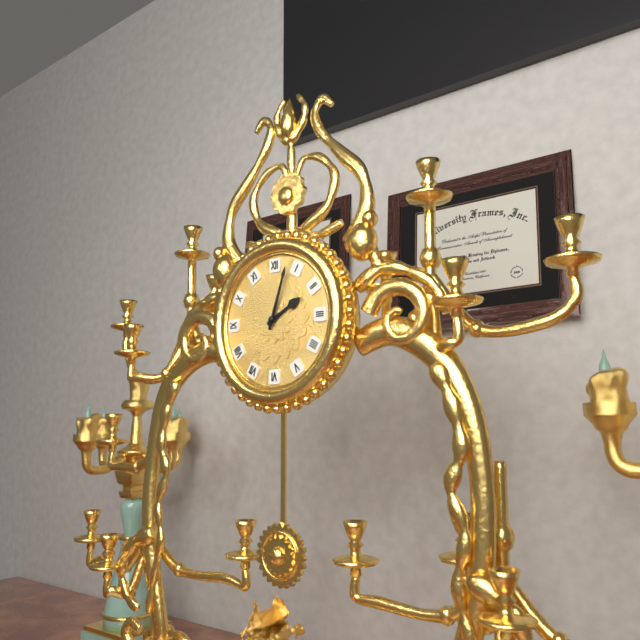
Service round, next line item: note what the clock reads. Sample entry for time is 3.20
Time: 2.03
